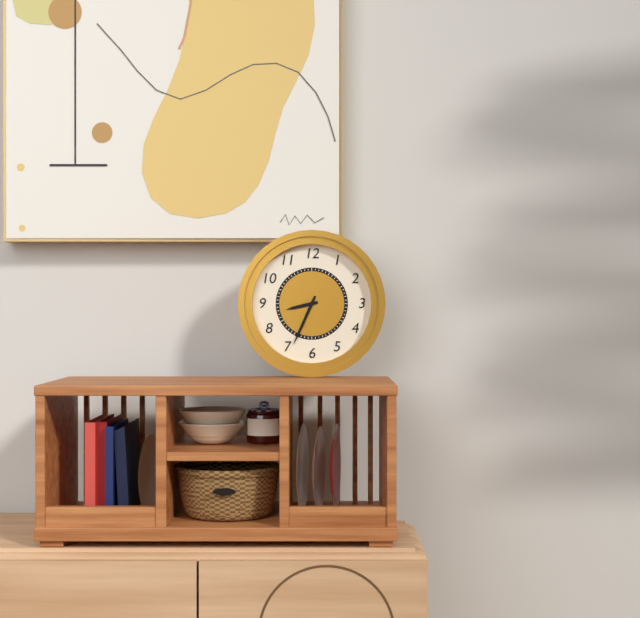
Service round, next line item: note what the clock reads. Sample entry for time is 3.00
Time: 8.34
